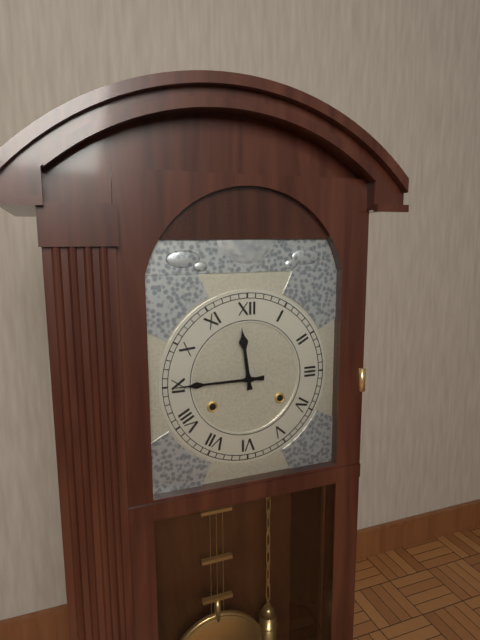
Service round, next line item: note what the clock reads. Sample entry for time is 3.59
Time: 11.45
